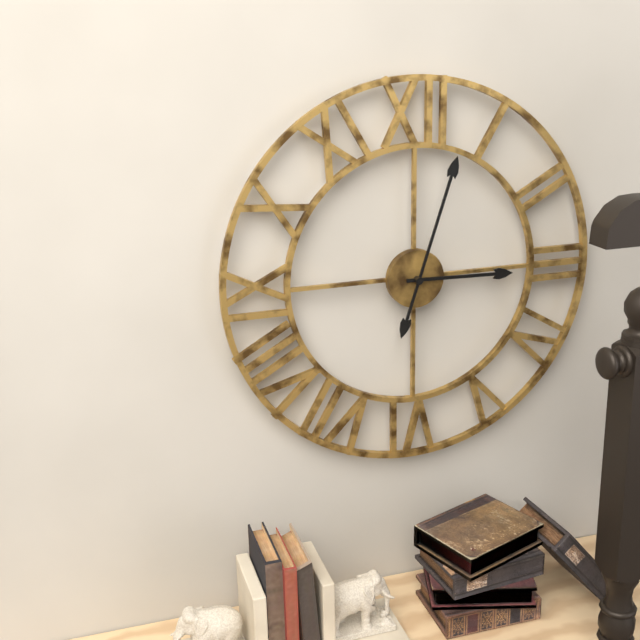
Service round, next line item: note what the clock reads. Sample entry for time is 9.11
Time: 3.03
